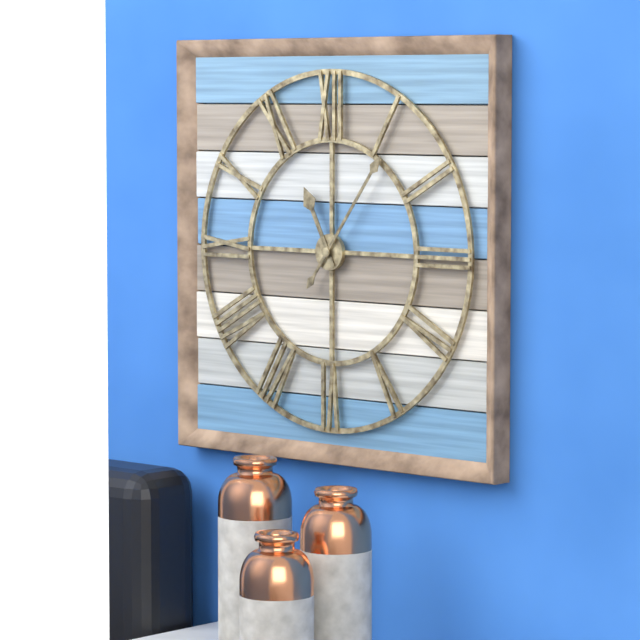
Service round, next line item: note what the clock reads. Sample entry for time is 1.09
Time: 11.06
